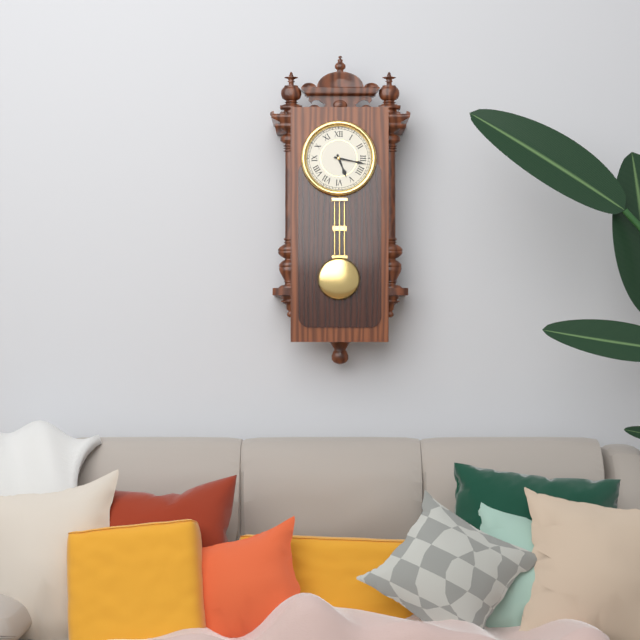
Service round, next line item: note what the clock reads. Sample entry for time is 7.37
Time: 5.17
